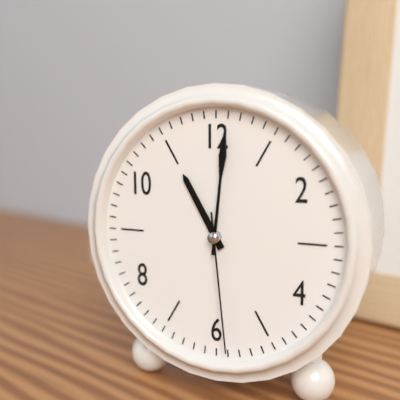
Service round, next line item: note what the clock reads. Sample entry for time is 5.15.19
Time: 11.01.29
